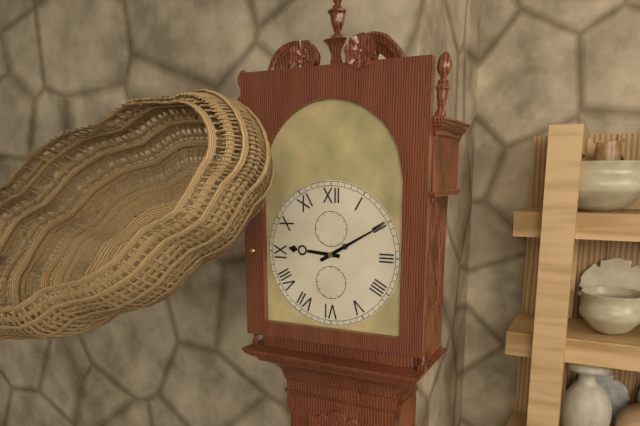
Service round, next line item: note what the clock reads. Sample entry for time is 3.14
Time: 9.10
